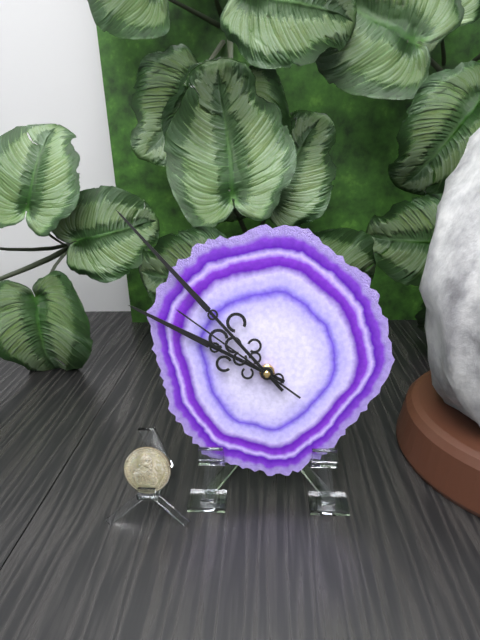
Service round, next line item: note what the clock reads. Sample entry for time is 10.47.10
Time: 9.53.51
